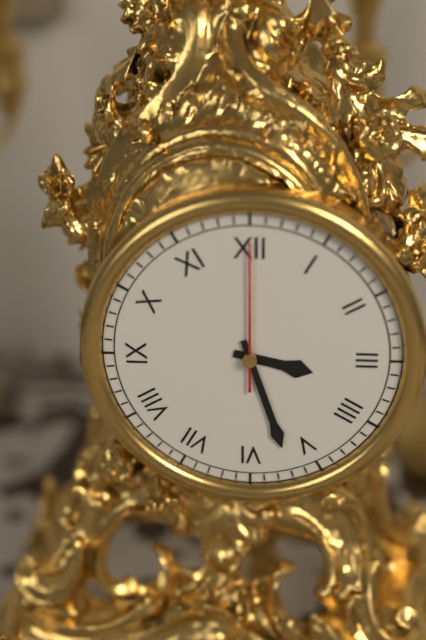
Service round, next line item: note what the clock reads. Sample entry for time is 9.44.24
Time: 3.27.00
